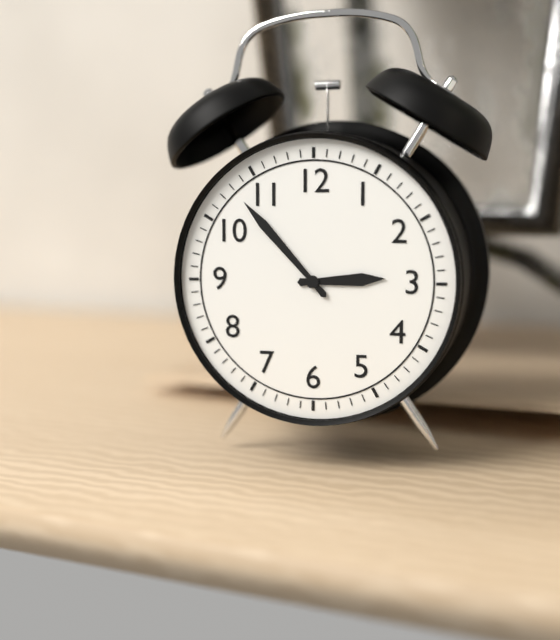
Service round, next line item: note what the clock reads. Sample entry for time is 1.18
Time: 2.53
